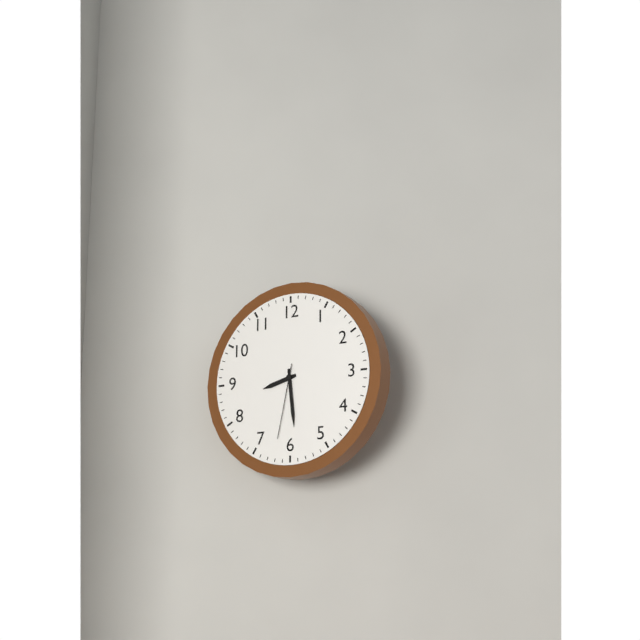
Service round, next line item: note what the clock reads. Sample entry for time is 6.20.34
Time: 8.29.32
